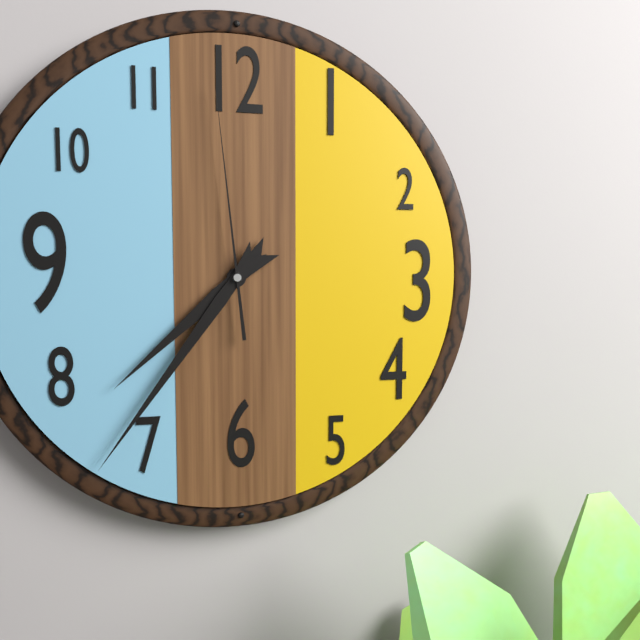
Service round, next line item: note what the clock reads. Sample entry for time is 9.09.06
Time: 7.36.59
